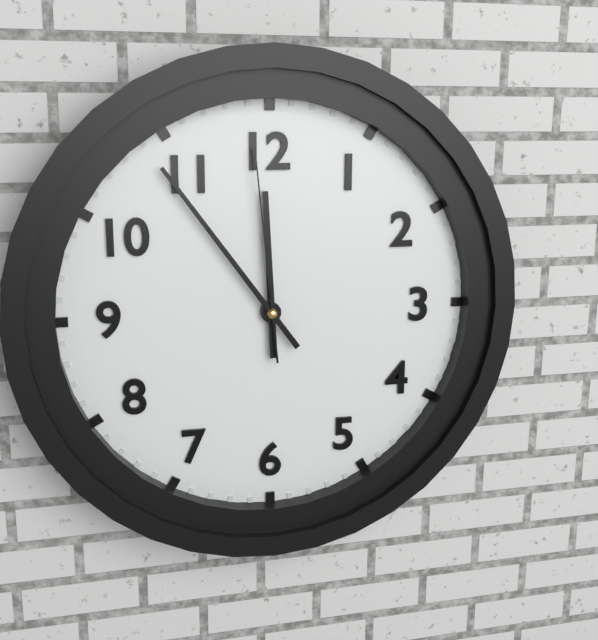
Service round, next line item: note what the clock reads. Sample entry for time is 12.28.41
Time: 11.54.59
